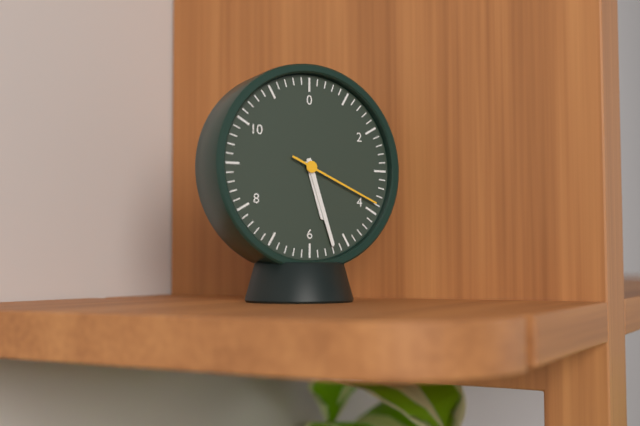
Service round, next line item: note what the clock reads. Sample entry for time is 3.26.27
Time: 5.27.19
